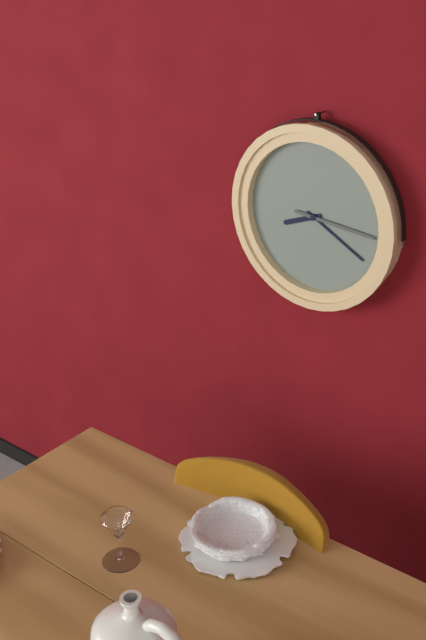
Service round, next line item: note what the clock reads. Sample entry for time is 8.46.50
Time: 8.20.16
